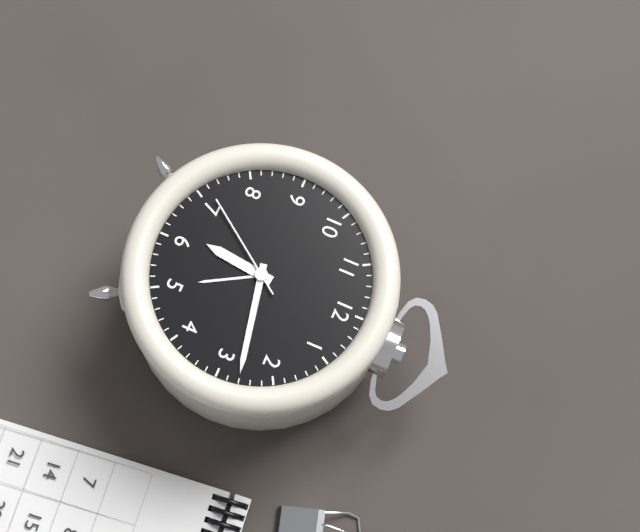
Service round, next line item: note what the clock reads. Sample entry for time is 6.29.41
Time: 6.13.36
